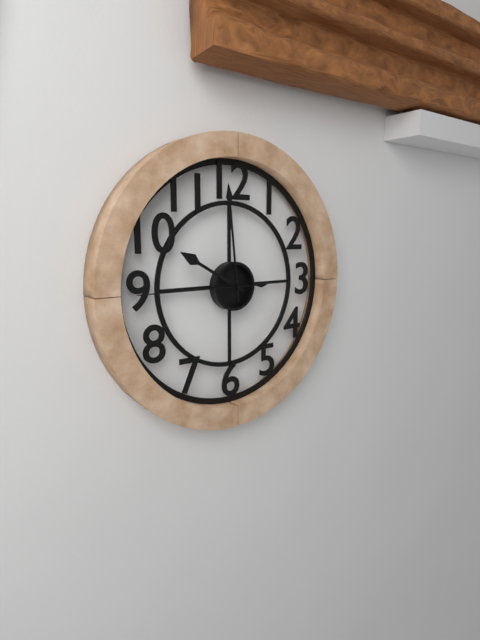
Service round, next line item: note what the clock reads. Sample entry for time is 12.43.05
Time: 9.59.45
